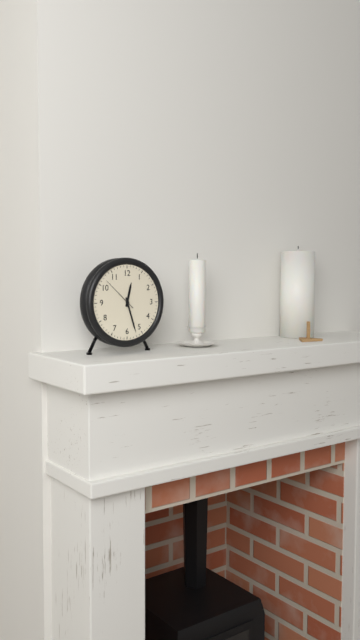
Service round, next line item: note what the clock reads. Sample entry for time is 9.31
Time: 12.27
